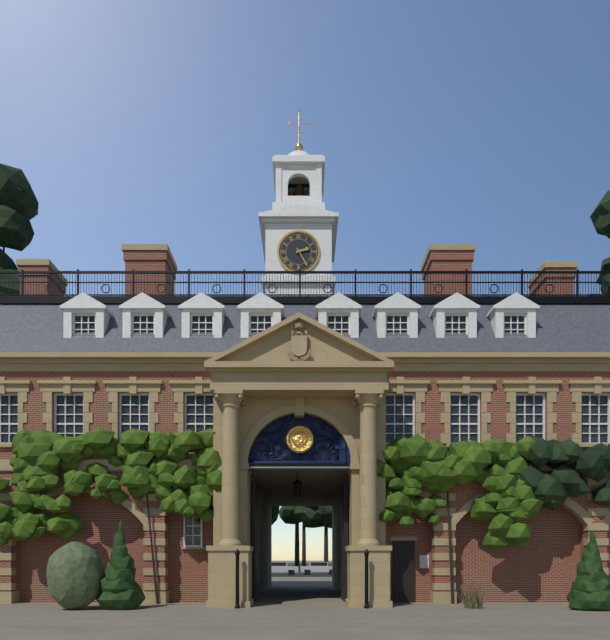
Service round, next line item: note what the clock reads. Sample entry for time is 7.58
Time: 2.25
